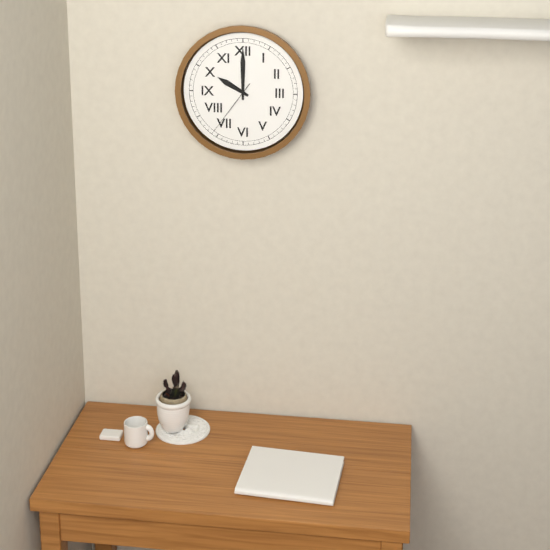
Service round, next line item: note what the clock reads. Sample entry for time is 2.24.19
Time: 10.00.36
